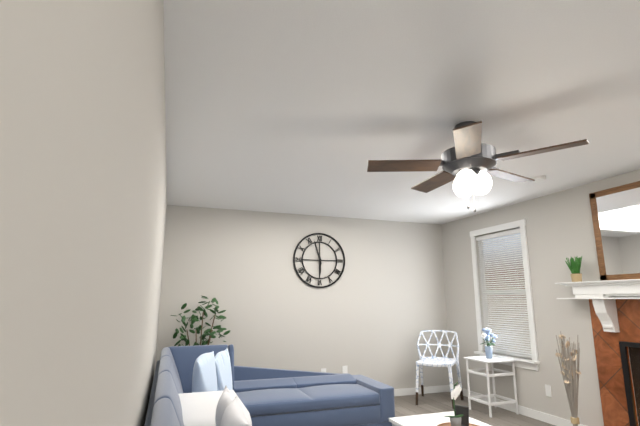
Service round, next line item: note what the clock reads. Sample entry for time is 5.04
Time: 5.57
